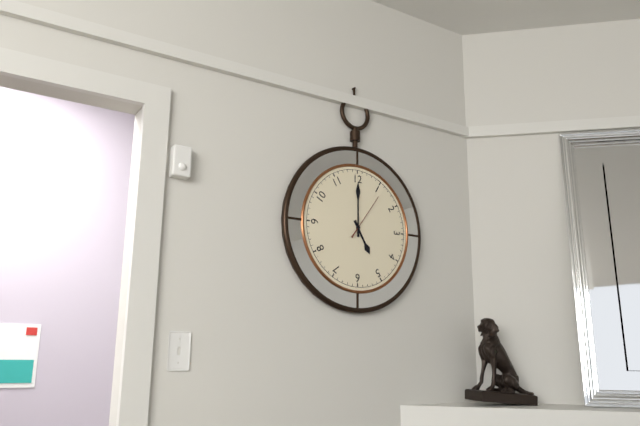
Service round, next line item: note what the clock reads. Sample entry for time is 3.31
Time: 5.00
